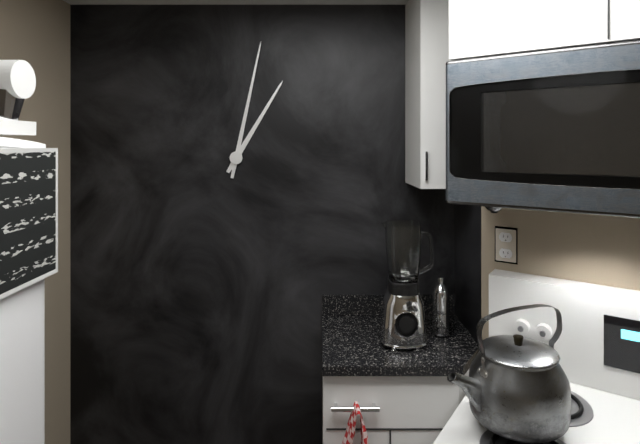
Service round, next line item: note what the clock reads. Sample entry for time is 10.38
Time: 1.02
